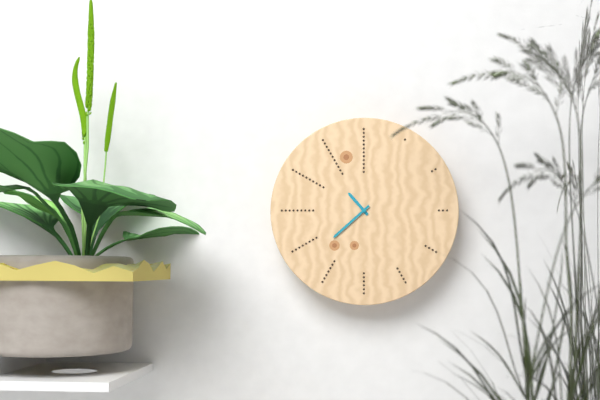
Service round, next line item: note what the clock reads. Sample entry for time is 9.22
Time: 10.38
